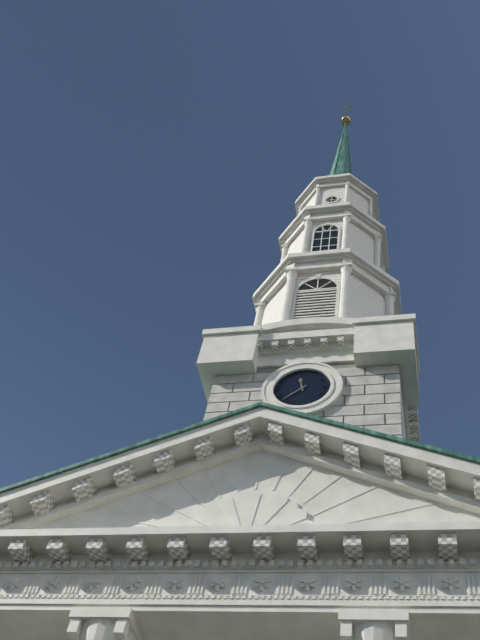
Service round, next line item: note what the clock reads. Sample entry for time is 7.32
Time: 11.38
